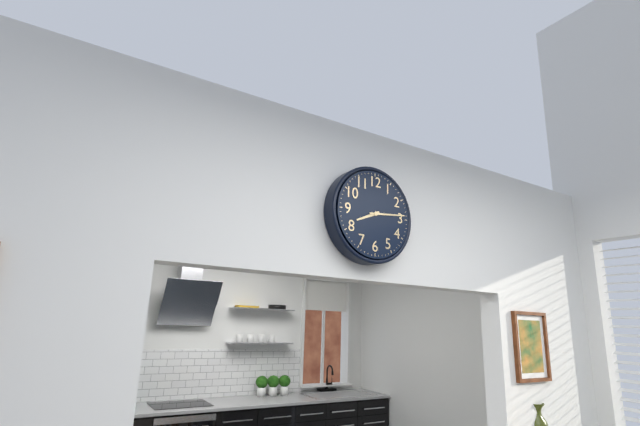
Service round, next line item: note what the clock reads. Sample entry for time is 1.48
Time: 8.14
